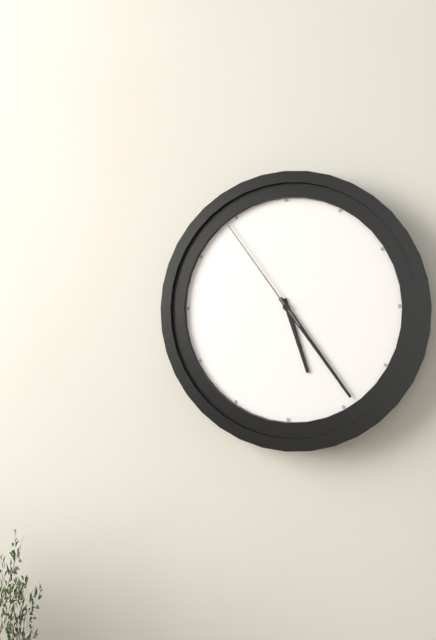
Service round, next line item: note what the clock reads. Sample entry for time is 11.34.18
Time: 5.24.54
